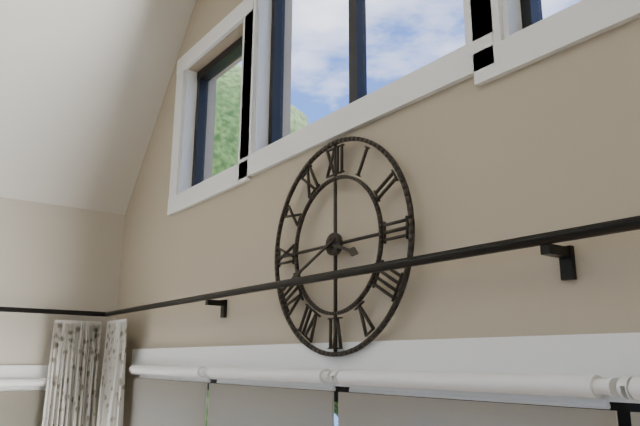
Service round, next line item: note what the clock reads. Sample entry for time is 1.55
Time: 3.41
